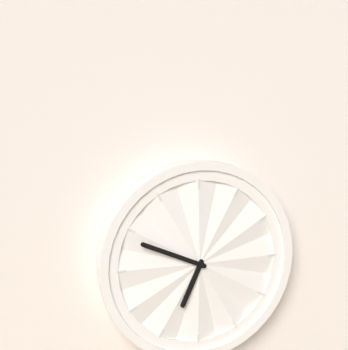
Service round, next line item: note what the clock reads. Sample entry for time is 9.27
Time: 6.49
